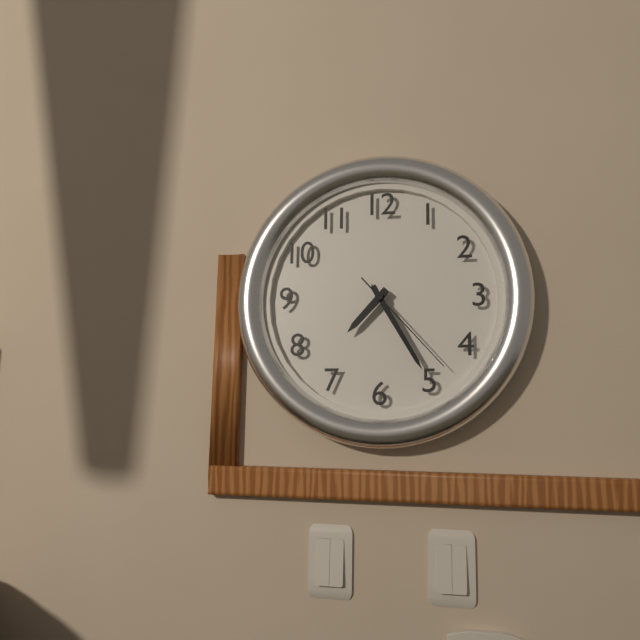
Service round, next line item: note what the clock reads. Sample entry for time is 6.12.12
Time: 7.25.23
